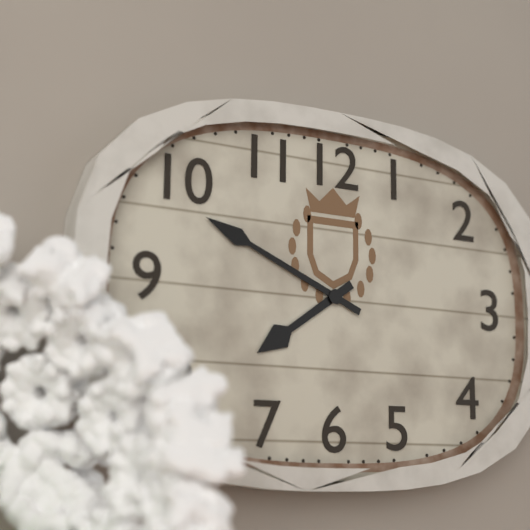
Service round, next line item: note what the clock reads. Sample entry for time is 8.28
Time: 7.49
